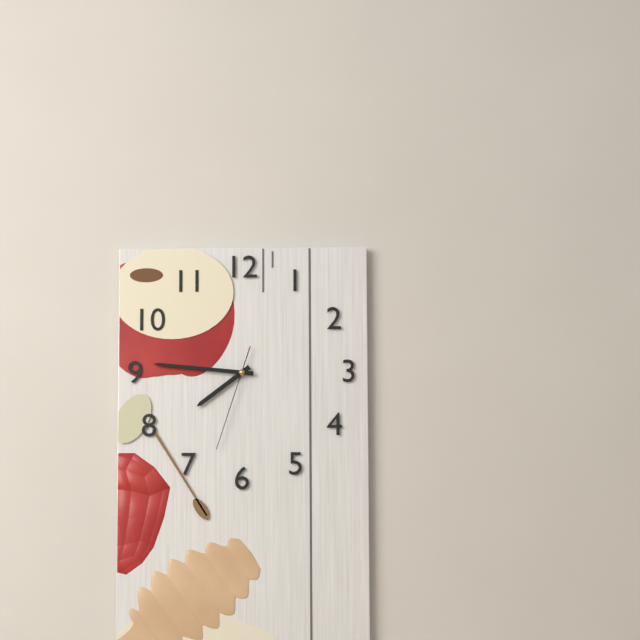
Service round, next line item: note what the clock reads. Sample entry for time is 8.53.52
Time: 7.46.33
